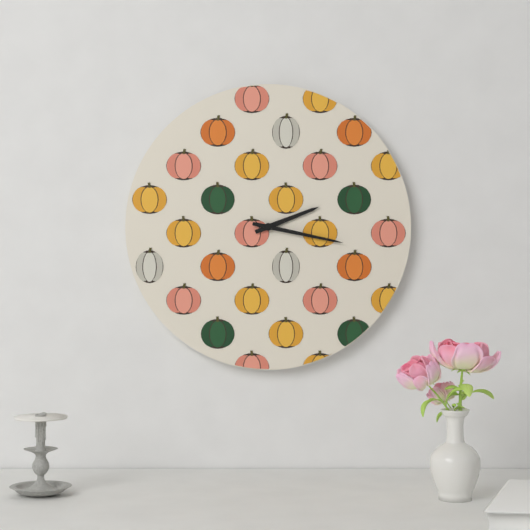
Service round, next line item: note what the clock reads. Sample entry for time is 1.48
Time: 2.17
